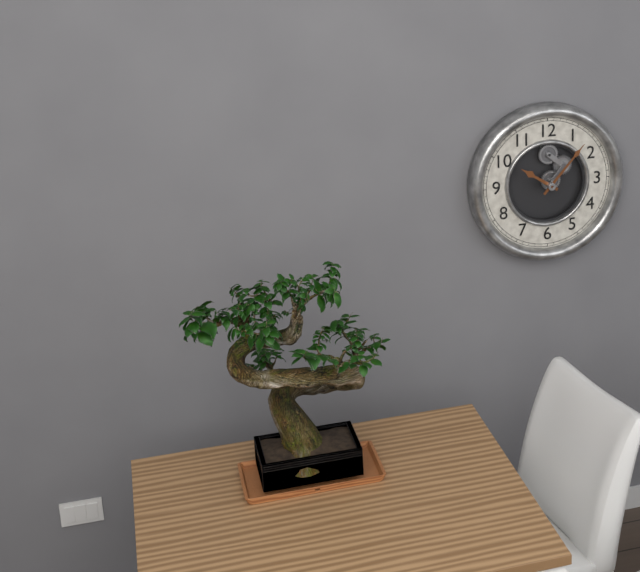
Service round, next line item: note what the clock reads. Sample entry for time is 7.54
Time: 10.07
